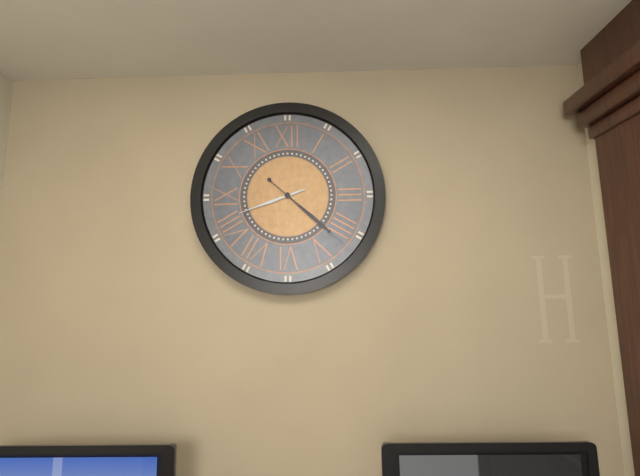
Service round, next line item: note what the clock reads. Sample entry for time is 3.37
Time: 8.22
